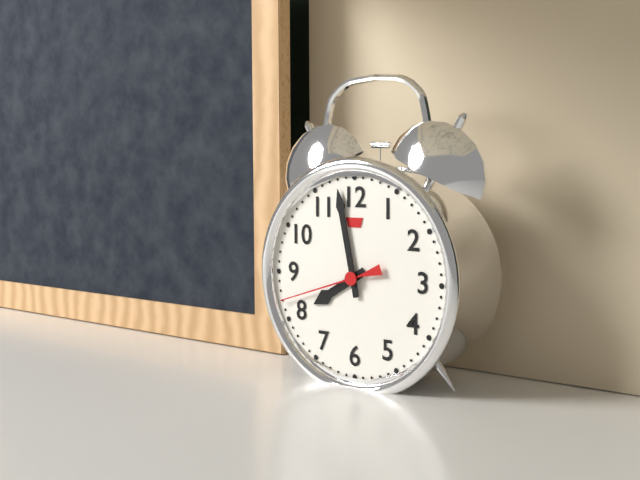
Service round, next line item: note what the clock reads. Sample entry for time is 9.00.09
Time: 7.58.42
